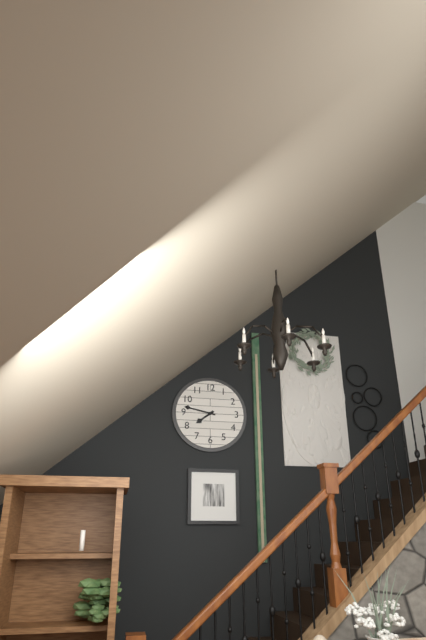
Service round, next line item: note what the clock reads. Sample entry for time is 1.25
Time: 7.47
